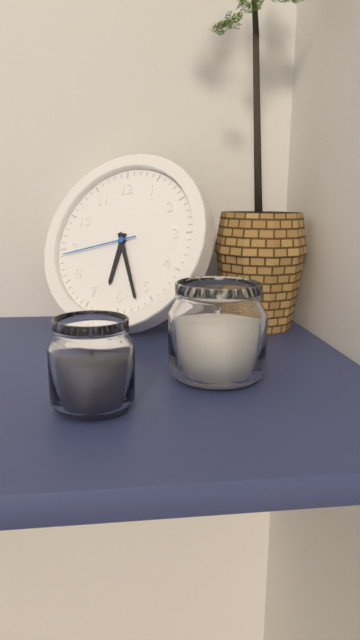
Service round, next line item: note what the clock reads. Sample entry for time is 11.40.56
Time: 6.27.44
